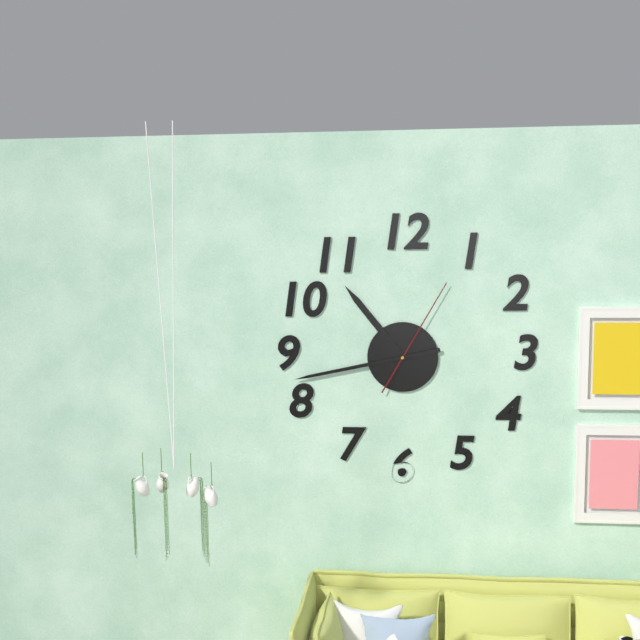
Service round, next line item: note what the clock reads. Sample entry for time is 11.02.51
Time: 10.43.05
